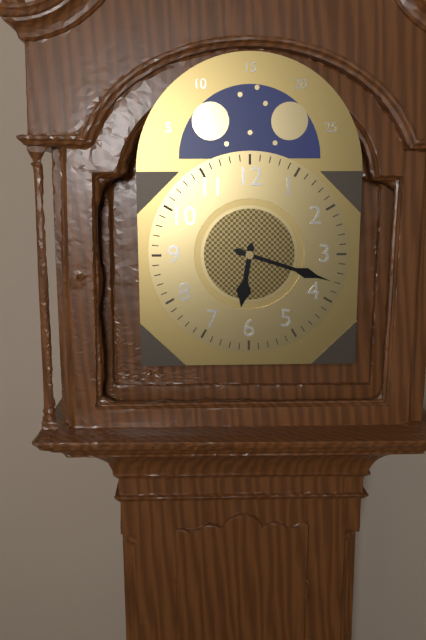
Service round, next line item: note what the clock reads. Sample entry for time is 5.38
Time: 6.18
